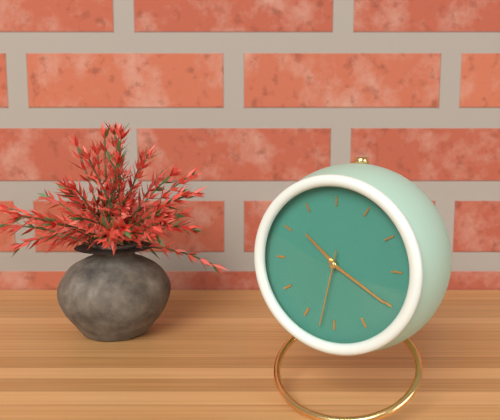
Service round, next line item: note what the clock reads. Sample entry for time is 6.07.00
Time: 10.20.32
